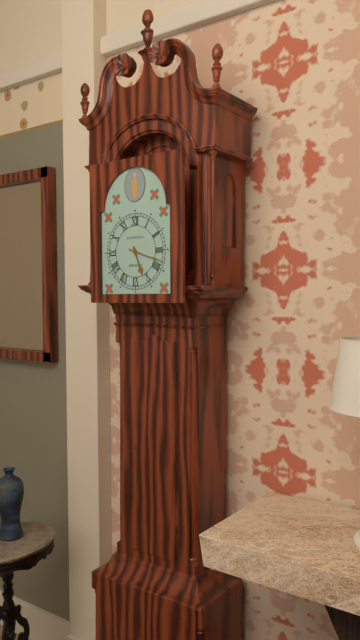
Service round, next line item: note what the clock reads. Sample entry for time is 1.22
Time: 5.18
